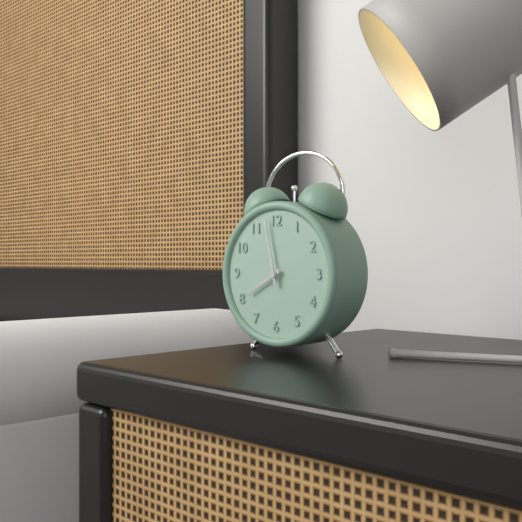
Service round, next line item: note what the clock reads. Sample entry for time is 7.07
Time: 7.58
